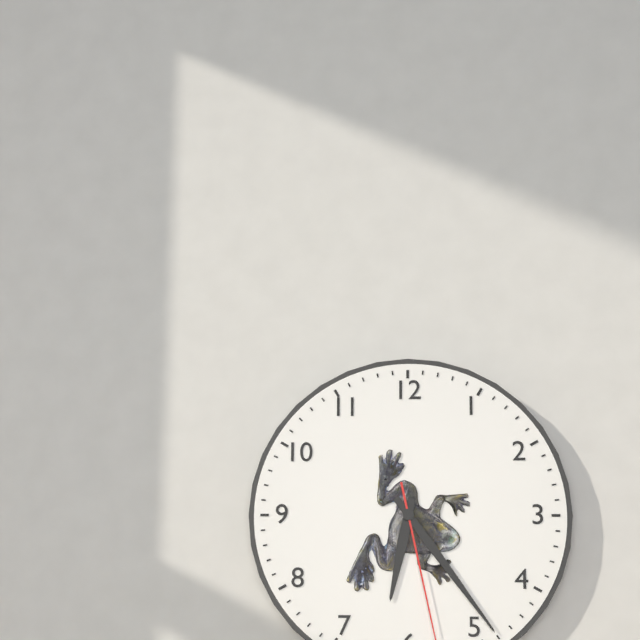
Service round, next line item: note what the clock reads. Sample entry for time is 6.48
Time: 6.24
